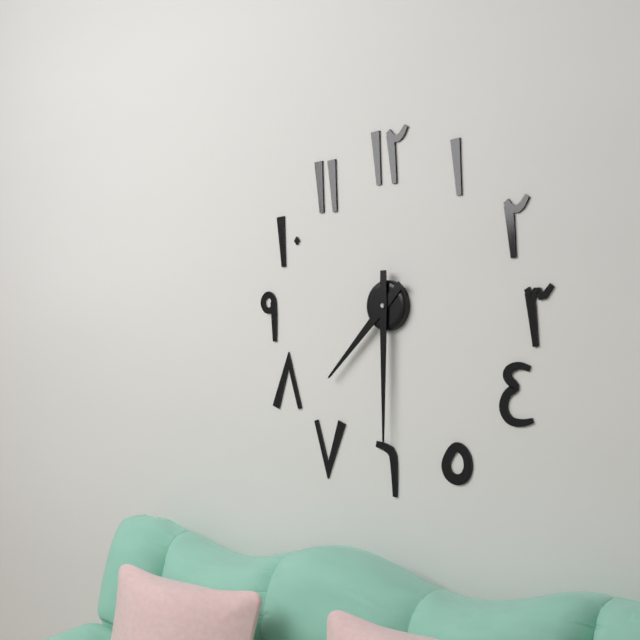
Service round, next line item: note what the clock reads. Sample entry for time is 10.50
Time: 7.30
